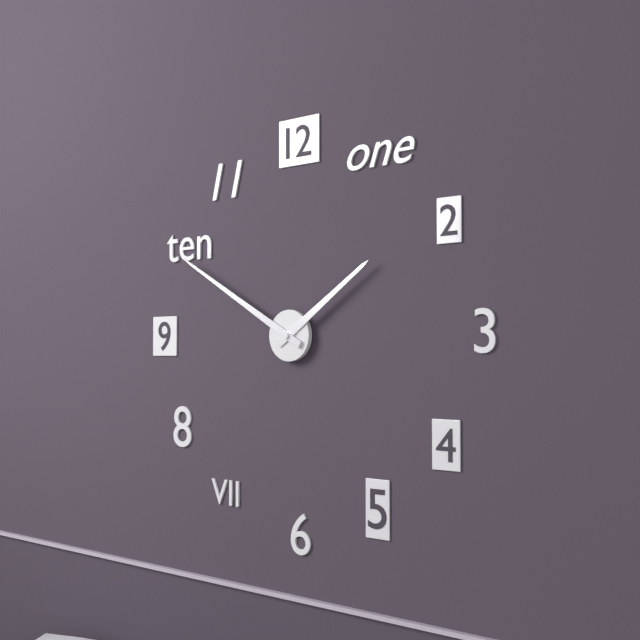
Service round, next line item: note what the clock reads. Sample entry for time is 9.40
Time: 1.50
